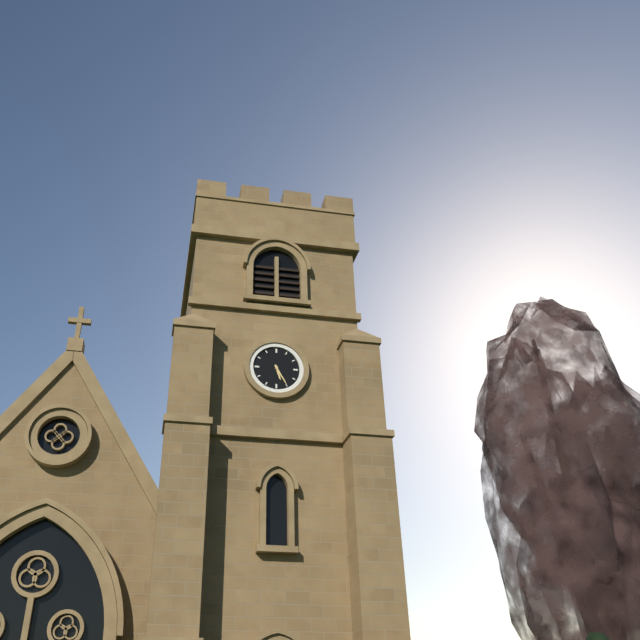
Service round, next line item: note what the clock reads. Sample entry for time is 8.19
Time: 5.25
